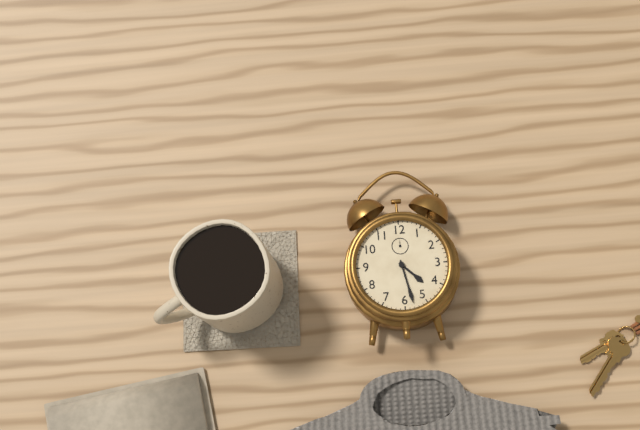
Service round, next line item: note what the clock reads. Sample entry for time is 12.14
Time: 4.28
